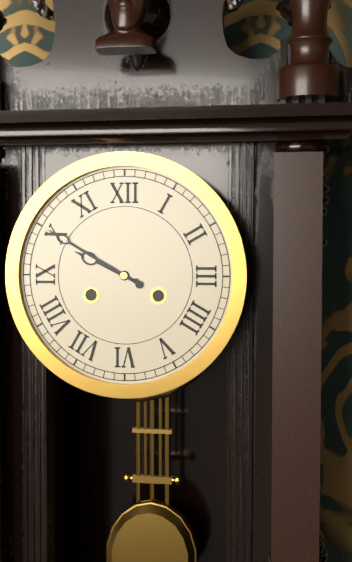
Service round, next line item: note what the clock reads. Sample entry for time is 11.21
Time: 9.50
